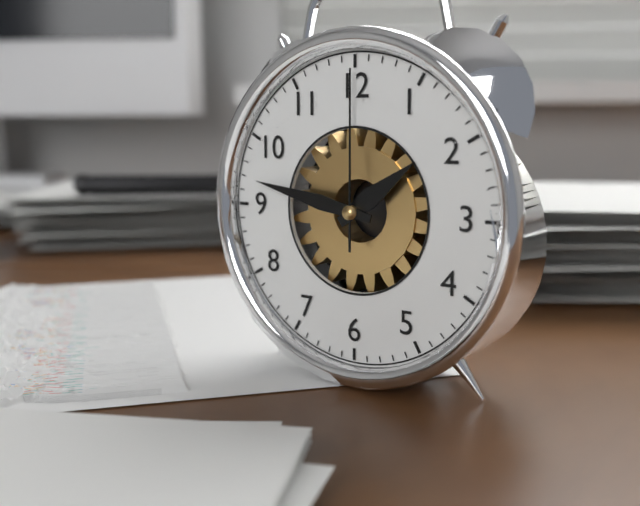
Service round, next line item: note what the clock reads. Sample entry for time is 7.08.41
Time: 1.47.00
